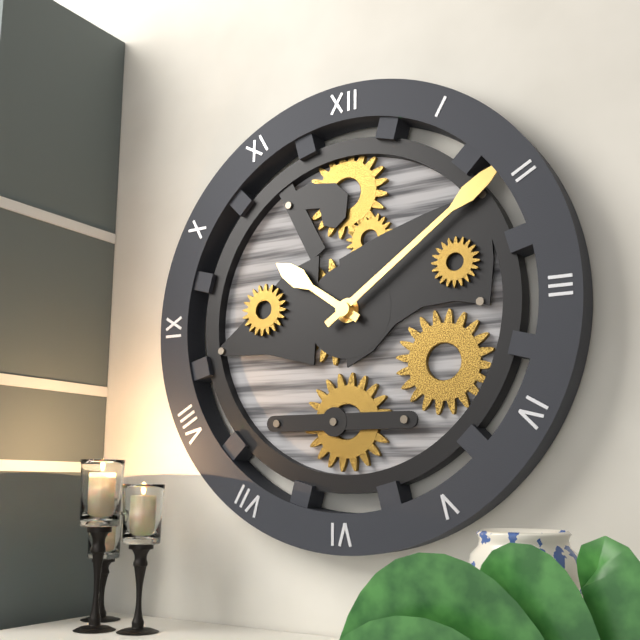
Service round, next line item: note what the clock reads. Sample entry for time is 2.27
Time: 10.09
